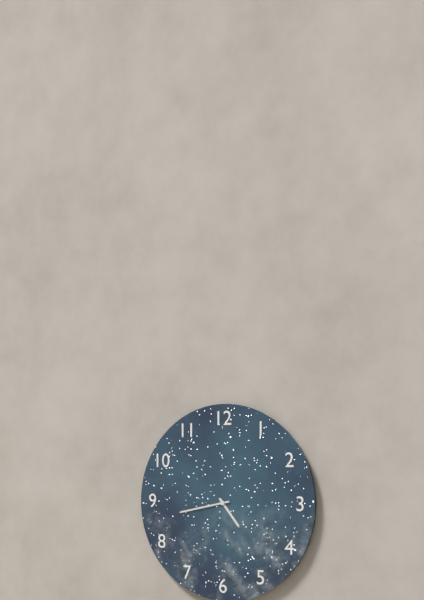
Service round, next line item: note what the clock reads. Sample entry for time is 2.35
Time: 4.43
